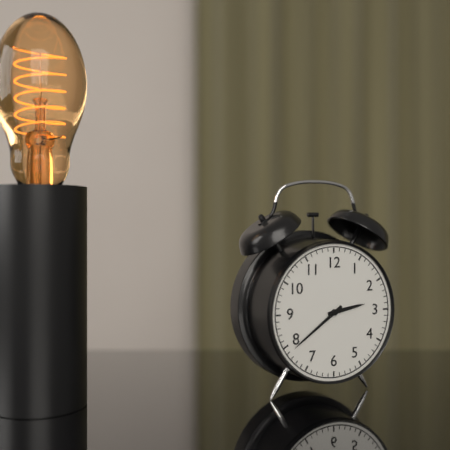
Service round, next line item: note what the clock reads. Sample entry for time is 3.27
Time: 2.39
